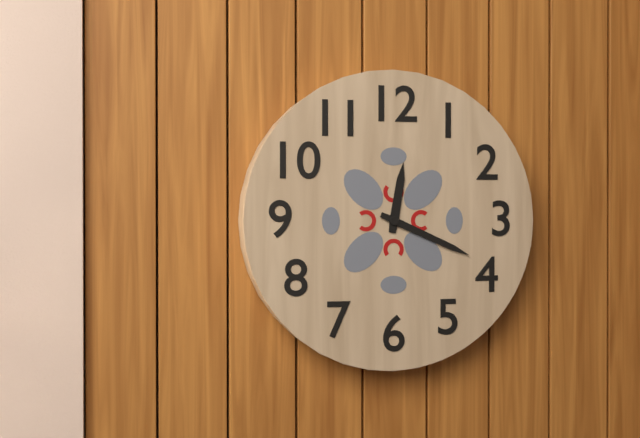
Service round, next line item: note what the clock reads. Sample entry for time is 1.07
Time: 12.19
